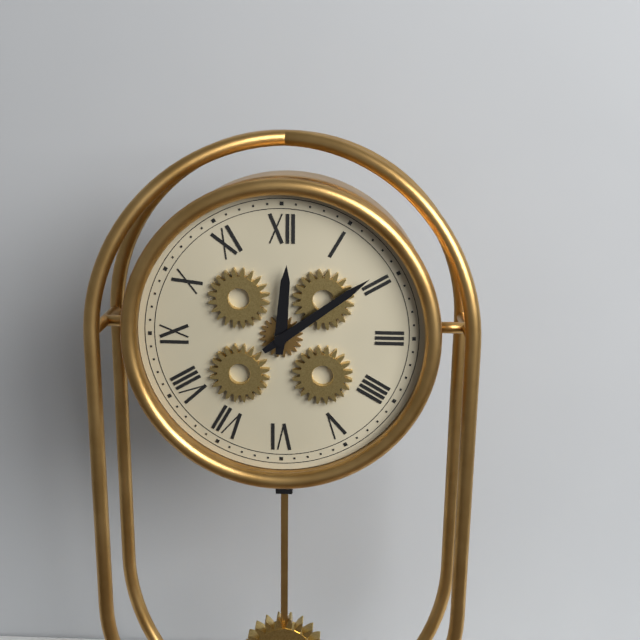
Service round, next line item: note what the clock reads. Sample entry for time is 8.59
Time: 12.09
